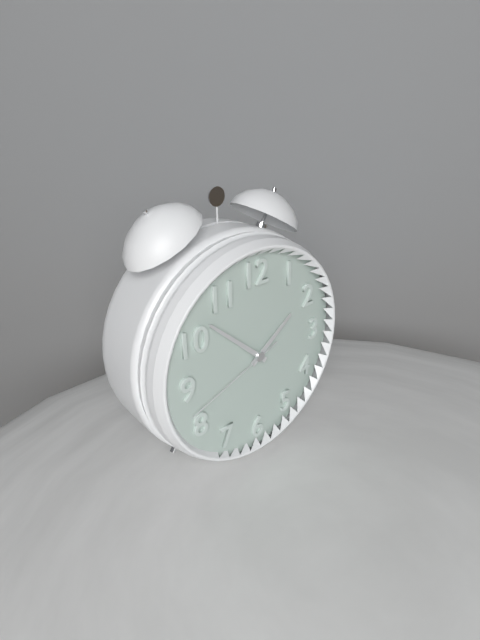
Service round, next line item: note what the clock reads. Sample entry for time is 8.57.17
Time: 1.52.42
